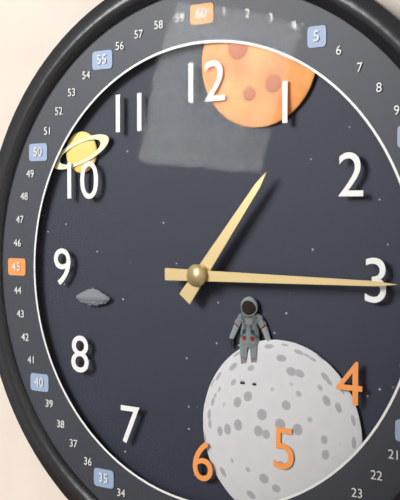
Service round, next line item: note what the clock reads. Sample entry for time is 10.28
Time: 1.15
